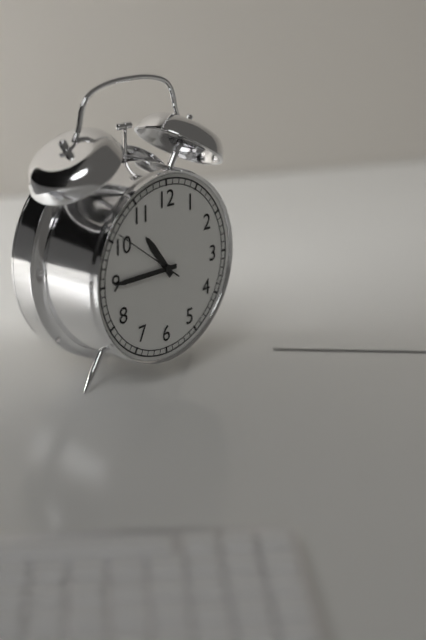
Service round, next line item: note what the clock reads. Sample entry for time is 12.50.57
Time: 10.45.51
